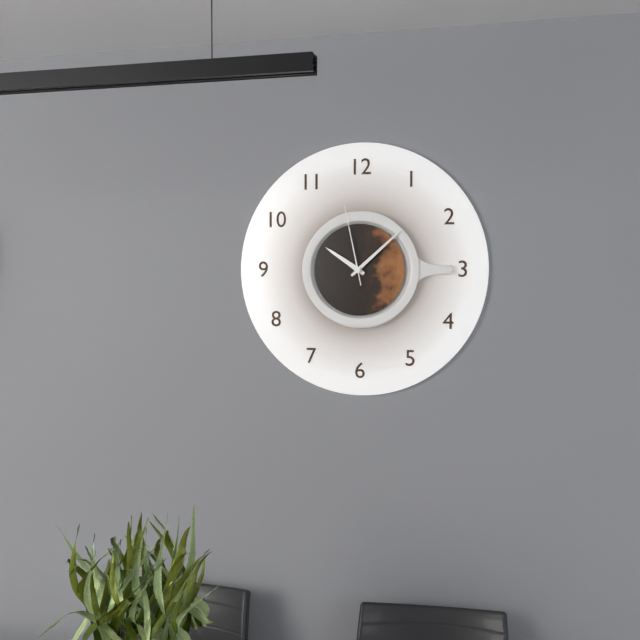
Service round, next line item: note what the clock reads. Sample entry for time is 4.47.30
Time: 10.08.58
